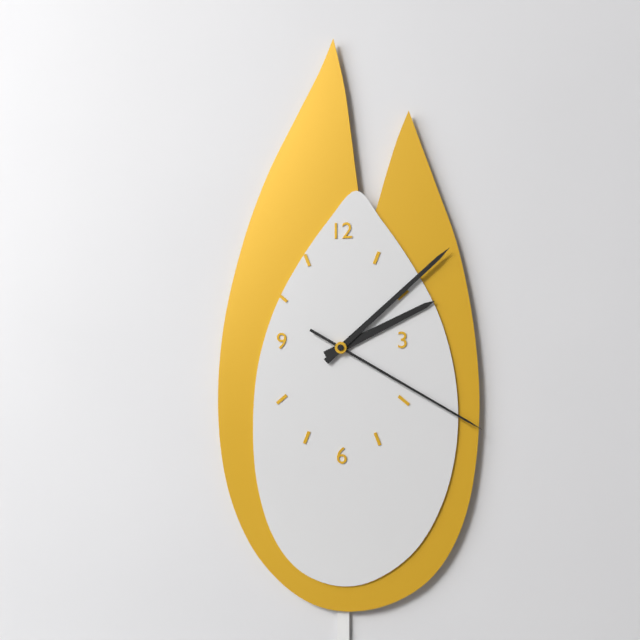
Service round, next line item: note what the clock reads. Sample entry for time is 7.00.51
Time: 2.08.20
